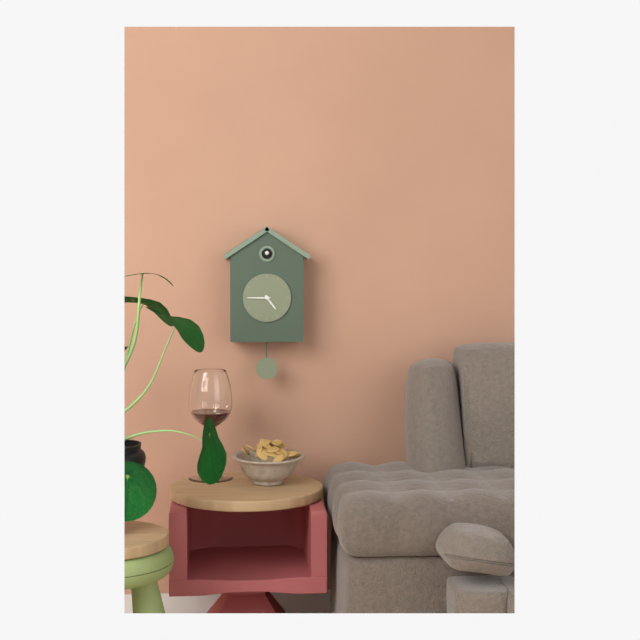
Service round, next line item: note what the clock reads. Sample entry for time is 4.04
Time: 4.45
